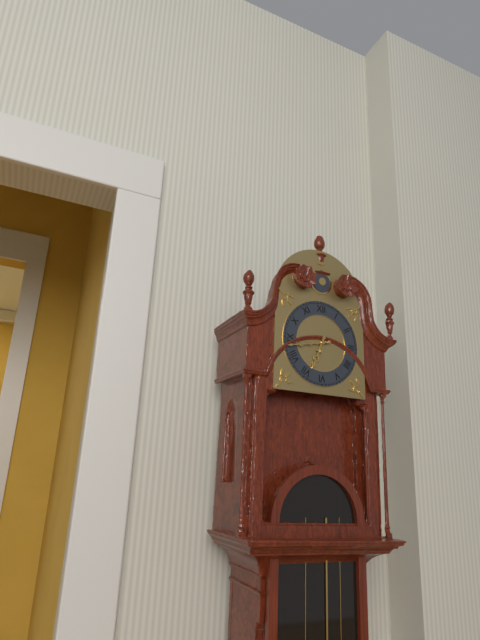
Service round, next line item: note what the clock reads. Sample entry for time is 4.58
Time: 6.43
